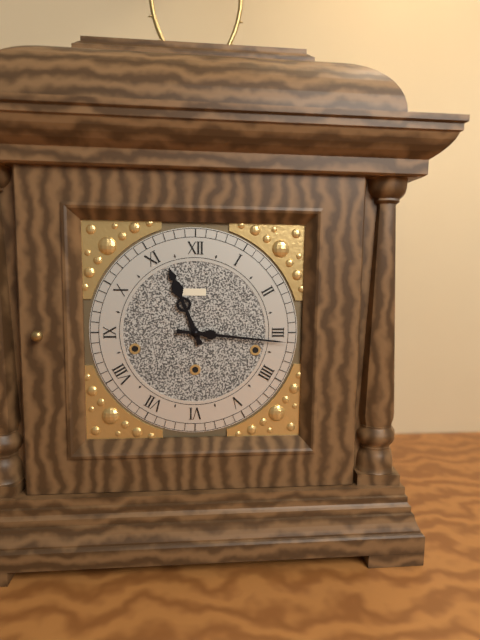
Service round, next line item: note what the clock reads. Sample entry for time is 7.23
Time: 11.16
